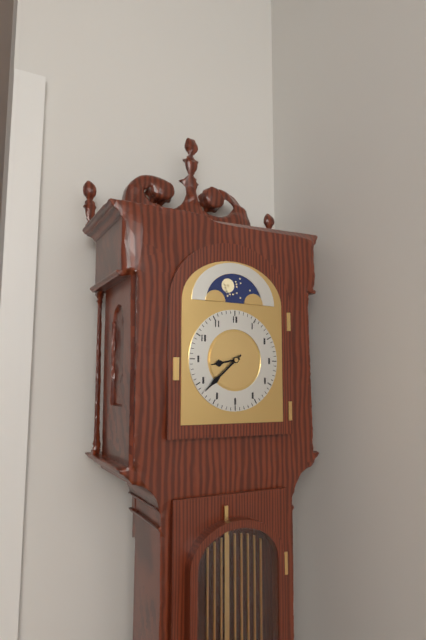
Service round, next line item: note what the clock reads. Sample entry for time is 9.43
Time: 8.38
